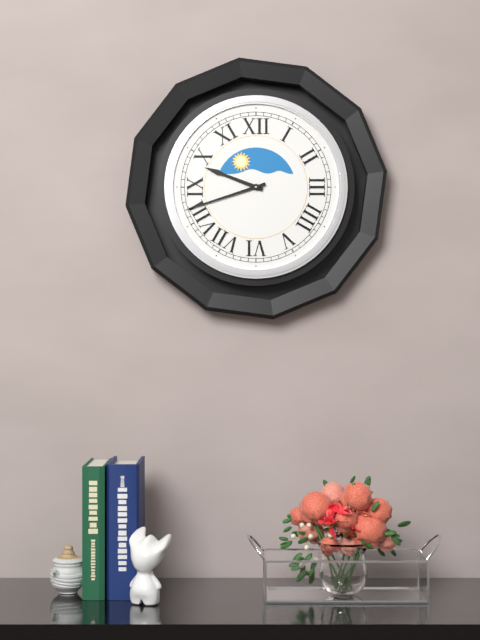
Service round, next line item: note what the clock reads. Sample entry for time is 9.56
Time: 9.42
